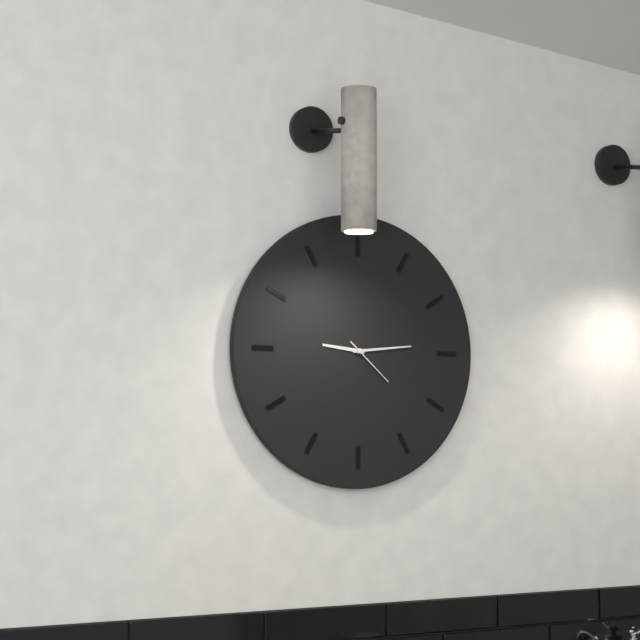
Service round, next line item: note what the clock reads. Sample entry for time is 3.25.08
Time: 9.14.22
